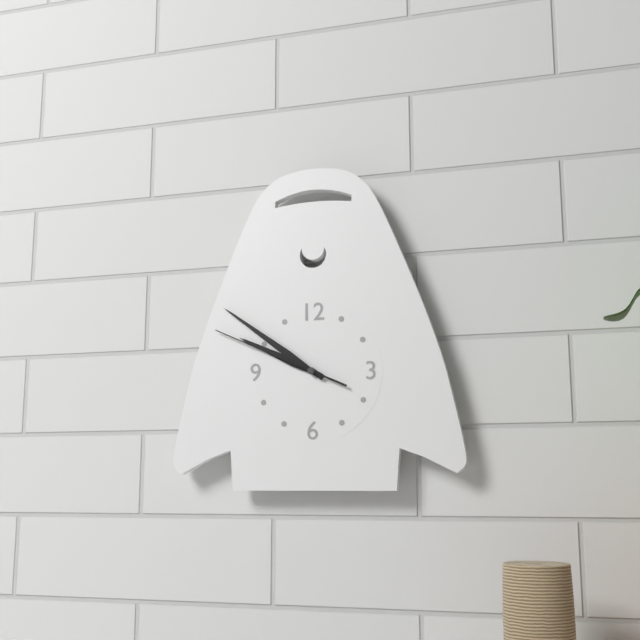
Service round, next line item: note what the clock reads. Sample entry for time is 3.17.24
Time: 9.51.49
